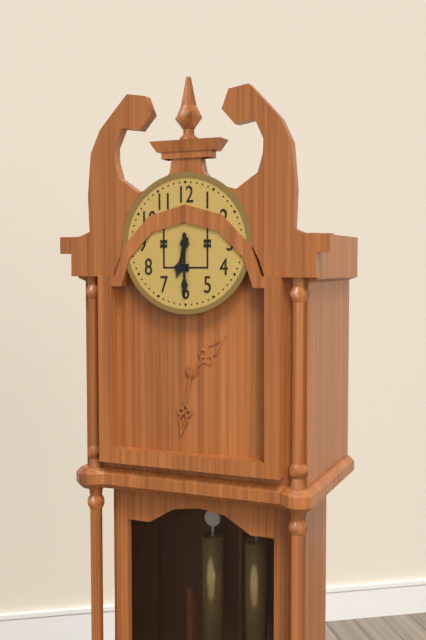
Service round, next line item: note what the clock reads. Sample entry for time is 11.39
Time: 6.30
